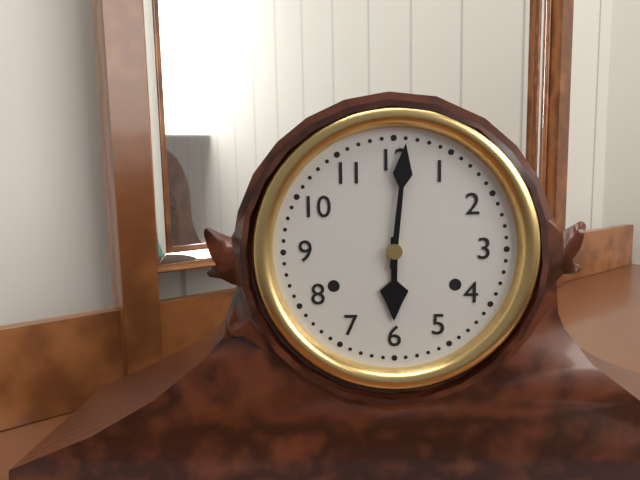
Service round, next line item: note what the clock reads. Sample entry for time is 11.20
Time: 6.01
